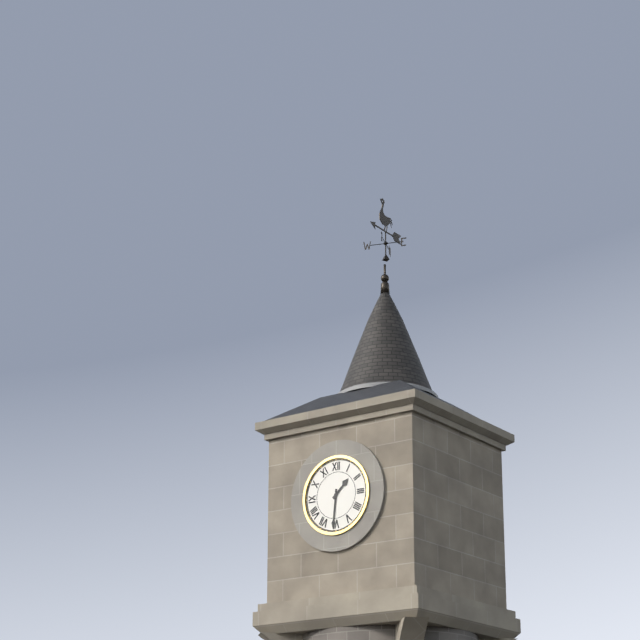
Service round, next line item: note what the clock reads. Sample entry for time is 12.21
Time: 1.31
